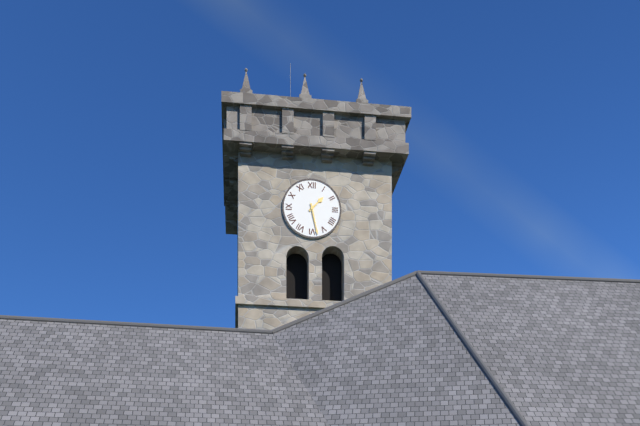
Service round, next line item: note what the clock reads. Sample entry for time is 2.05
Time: 1.28
